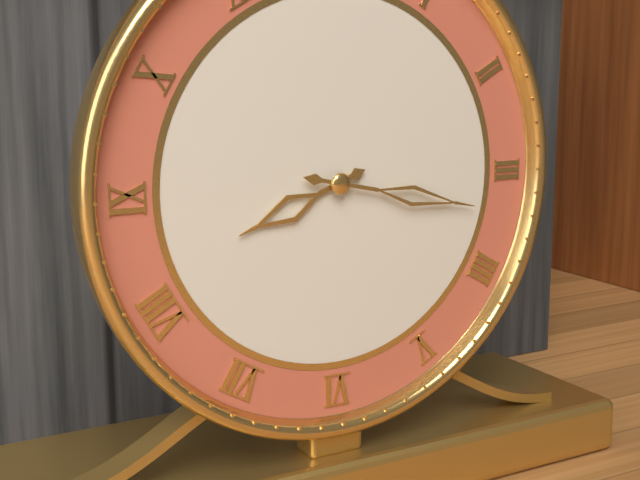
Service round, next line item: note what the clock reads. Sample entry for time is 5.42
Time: 8.17
